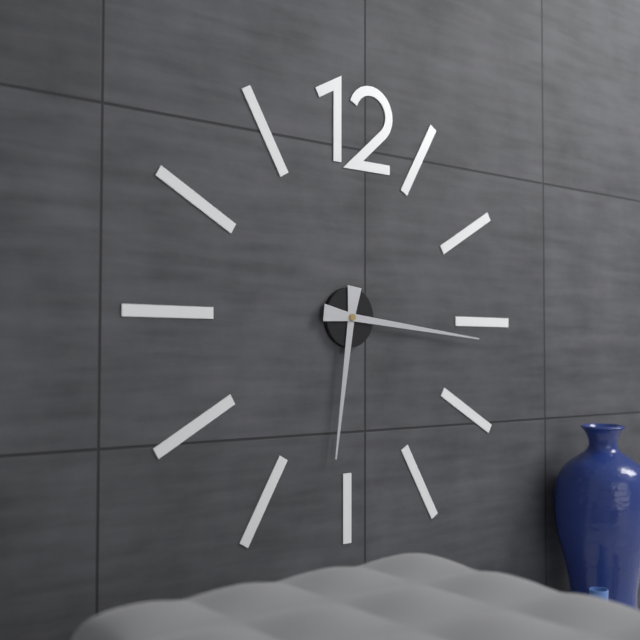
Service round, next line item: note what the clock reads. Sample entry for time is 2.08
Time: 6.16
